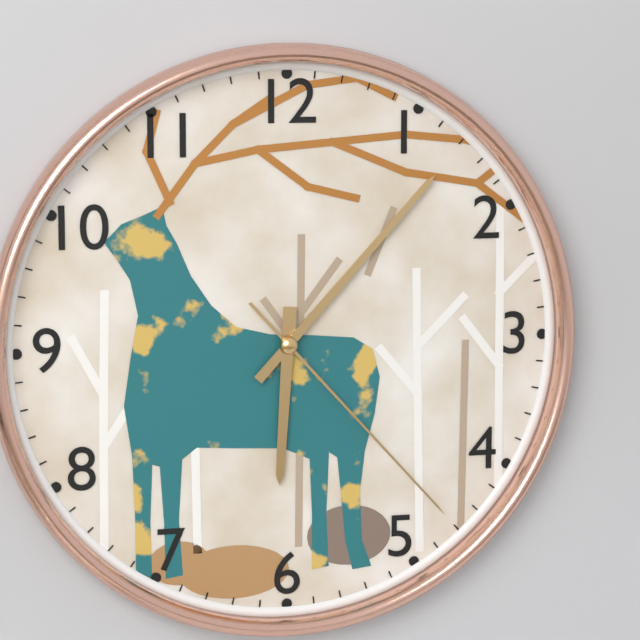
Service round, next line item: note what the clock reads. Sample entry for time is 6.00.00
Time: 6.07.23
